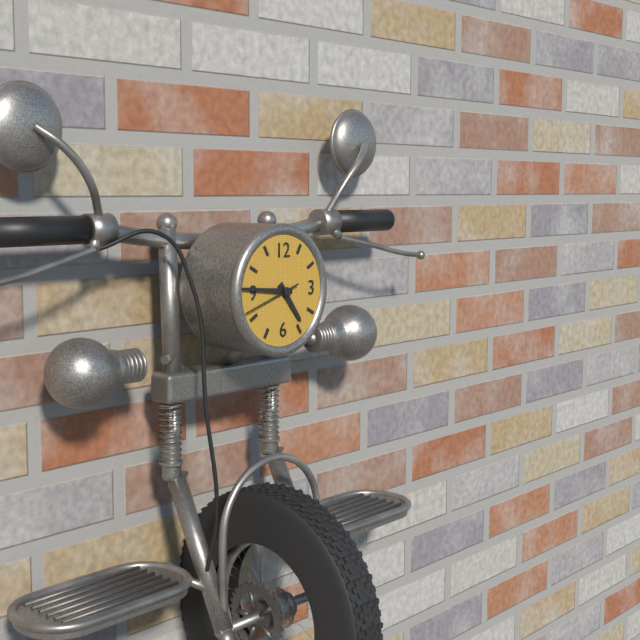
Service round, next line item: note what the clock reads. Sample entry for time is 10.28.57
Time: 4.46.42
